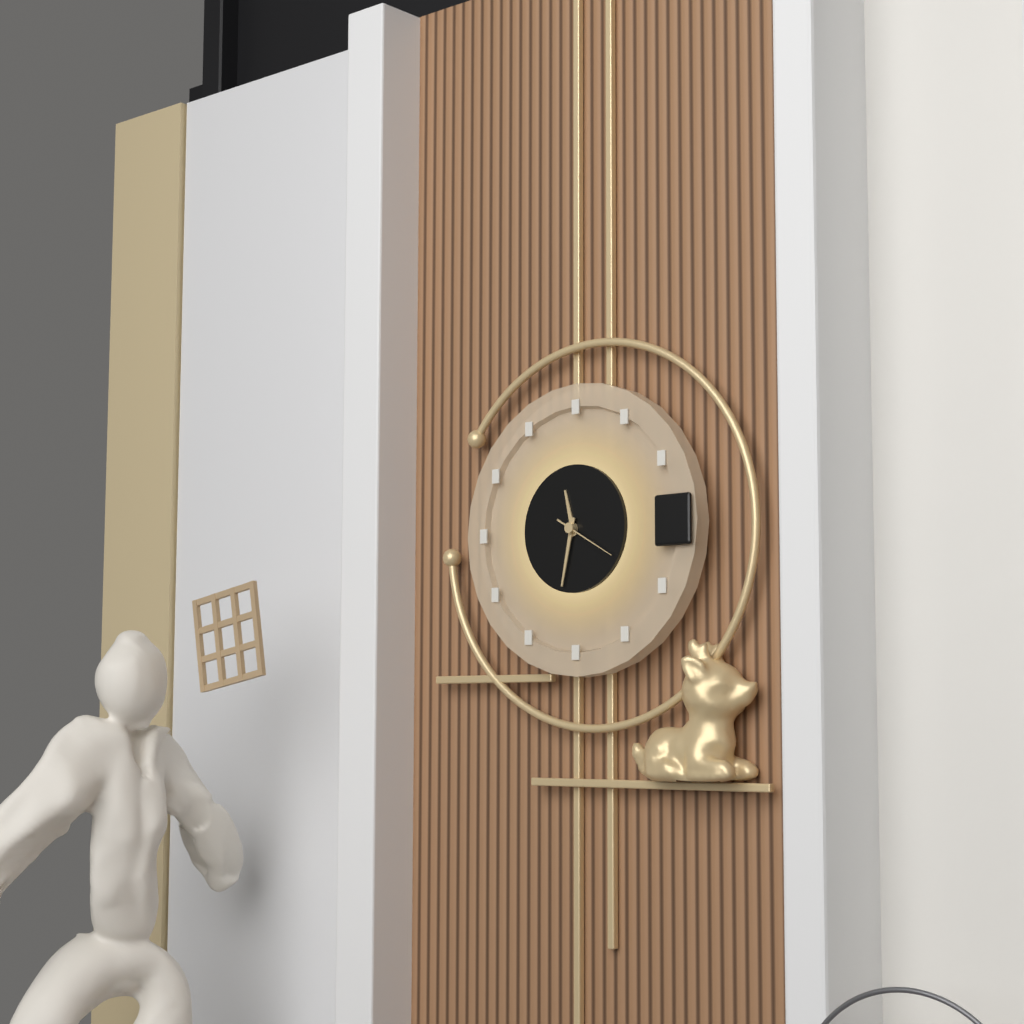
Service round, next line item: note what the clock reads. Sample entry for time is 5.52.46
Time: 11.32.20
